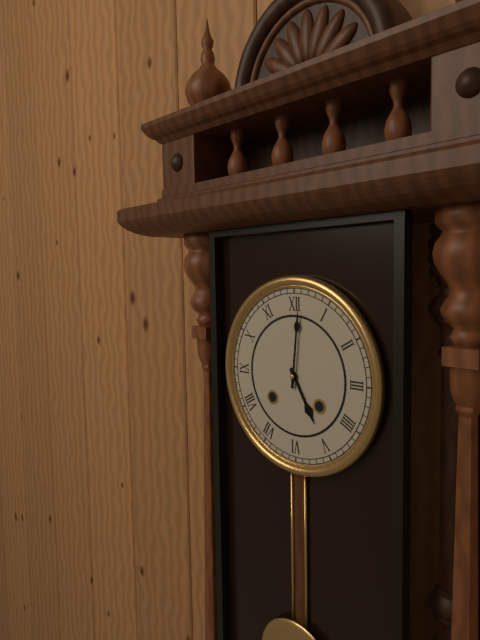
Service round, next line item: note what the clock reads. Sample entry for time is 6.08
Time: 5.01
